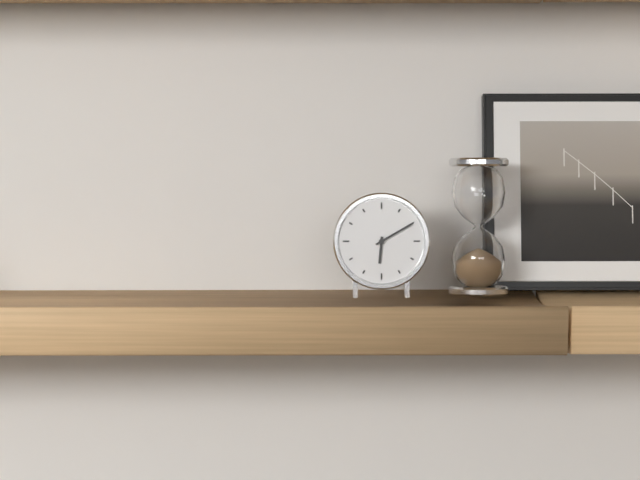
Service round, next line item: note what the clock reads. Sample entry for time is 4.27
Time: 6.10
